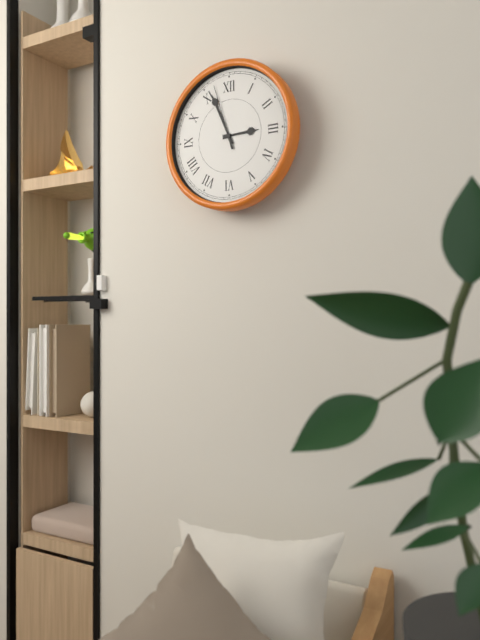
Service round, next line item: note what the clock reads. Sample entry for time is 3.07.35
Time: 2.56.57
